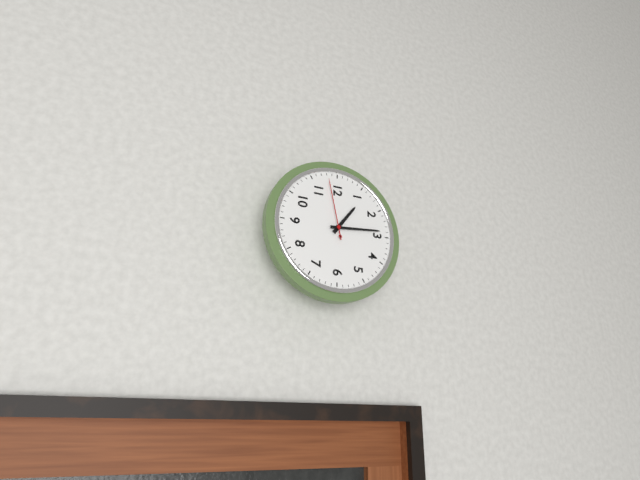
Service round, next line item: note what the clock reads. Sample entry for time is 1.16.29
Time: 1.14.58
